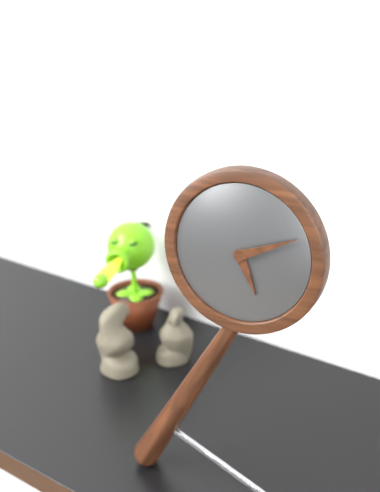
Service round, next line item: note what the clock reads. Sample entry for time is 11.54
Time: 5.11
